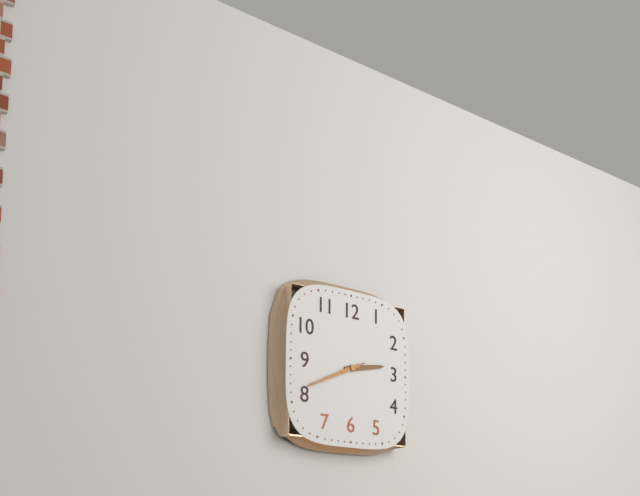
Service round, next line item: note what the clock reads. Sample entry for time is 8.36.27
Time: 2.41.41
